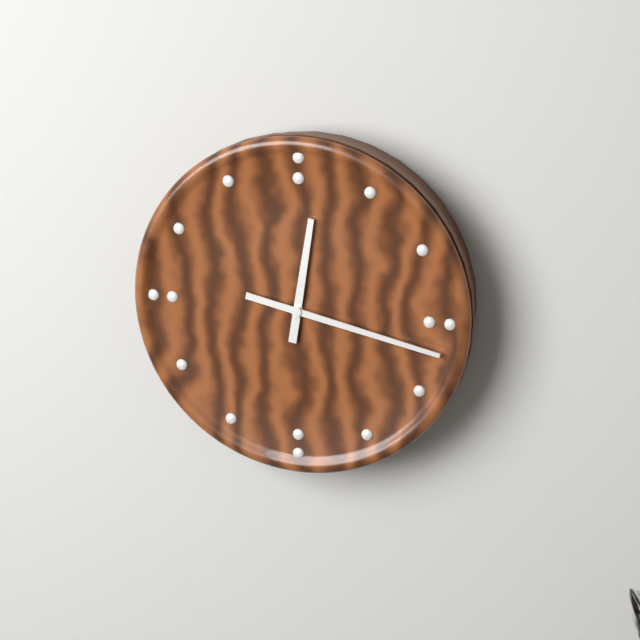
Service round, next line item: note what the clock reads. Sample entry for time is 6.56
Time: 12.17
